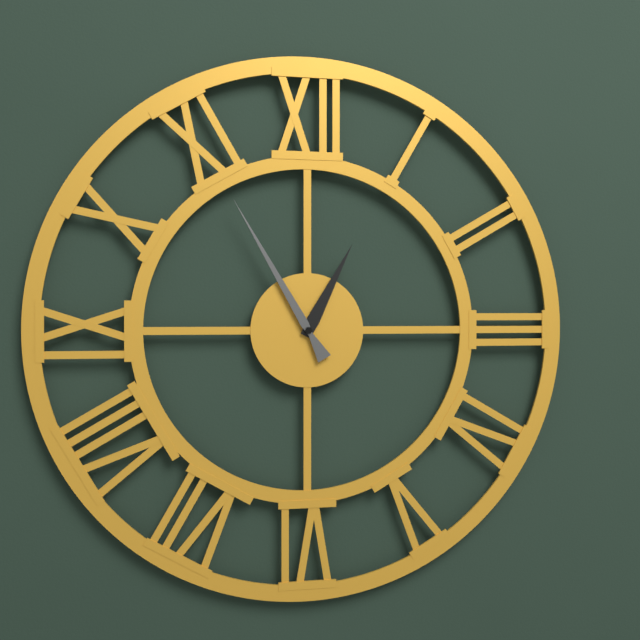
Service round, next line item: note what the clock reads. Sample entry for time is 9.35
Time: 12.55
